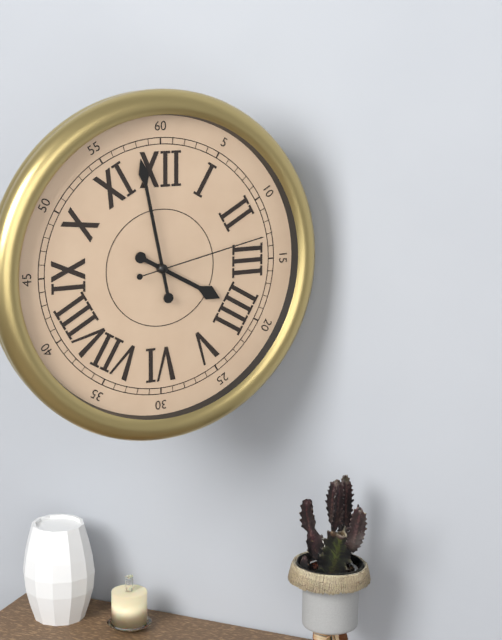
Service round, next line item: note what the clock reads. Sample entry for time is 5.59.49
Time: 3.58.13
